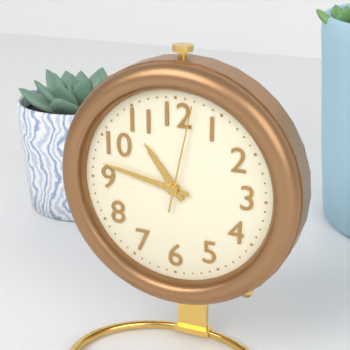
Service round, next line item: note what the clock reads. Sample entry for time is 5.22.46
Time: 10.47.02
